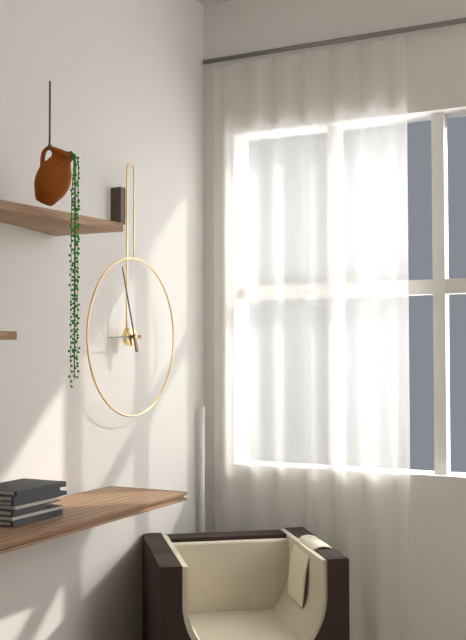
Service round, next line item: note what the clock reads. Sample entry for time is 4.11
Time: 8.57
